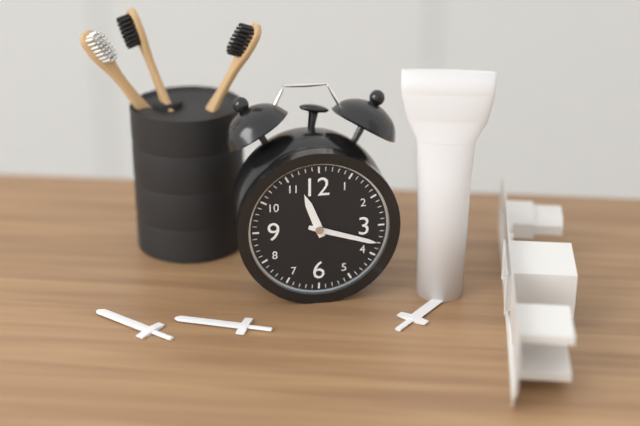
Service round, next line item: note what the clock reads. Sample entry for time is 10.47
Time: 11.18
